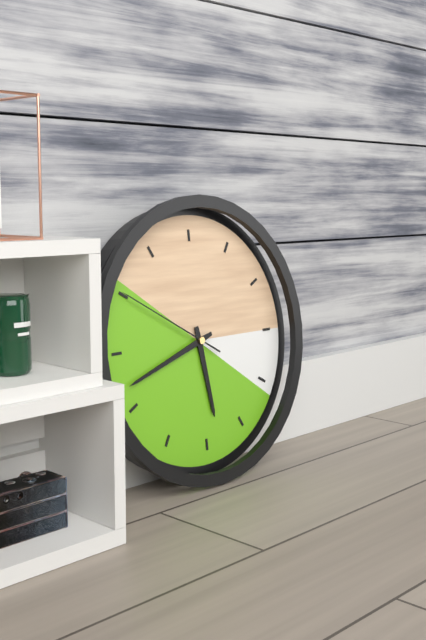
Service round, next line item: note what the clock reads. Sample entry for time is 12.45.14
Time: 5.42.50
